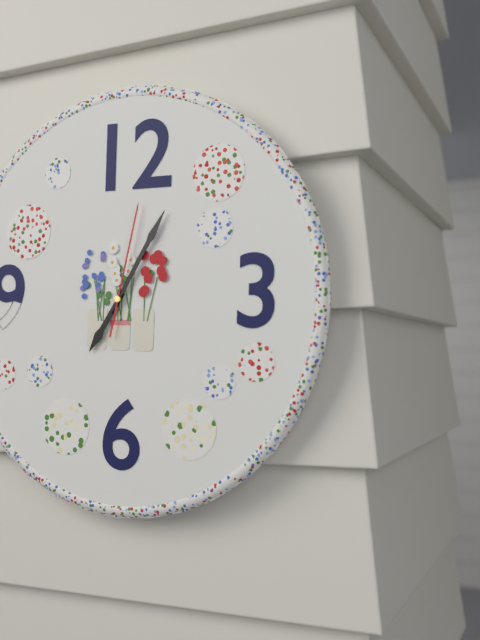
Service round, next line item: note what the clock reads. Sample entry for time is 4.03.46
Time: 7.05.02
